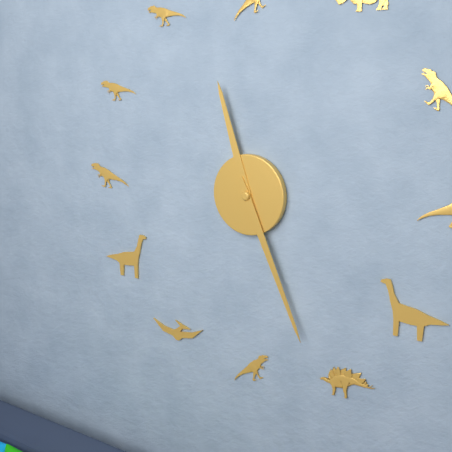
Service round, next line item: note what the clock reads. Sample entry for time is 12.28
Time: 11.26
